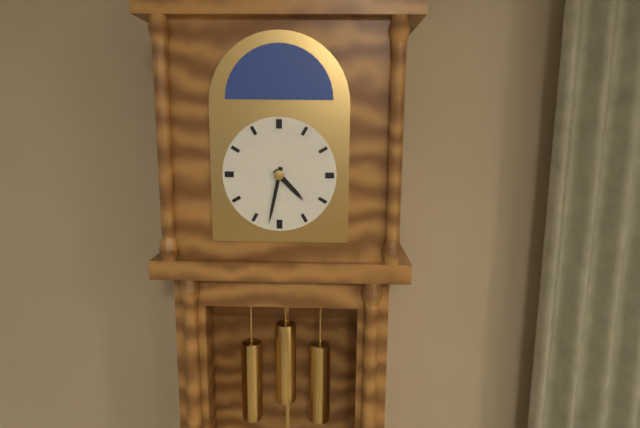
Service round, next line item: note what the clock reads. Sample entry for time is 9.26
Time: 4.32
